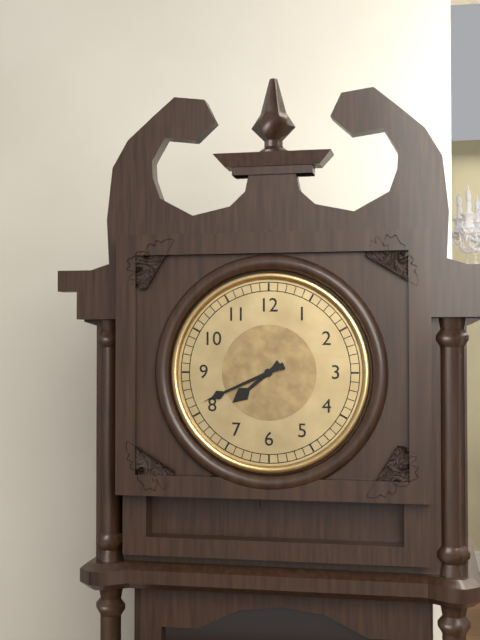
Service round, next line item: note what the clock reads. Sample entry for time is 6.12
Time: 7.41
